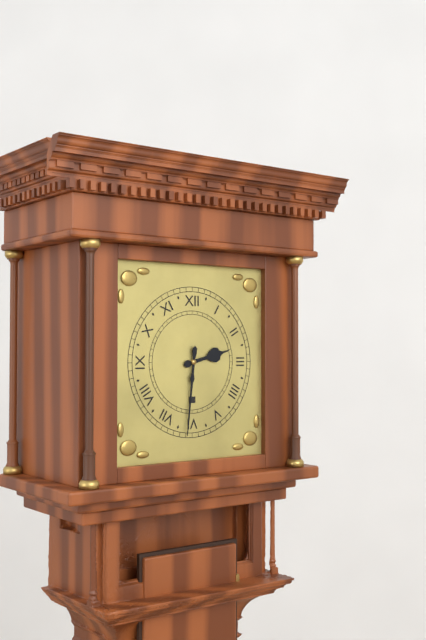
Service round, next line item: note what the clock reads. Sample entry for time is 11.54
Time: 2.31
